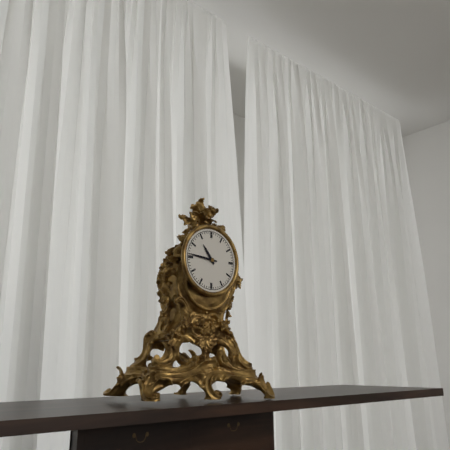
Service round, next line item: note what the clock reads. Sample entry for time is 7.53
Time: 10.46
